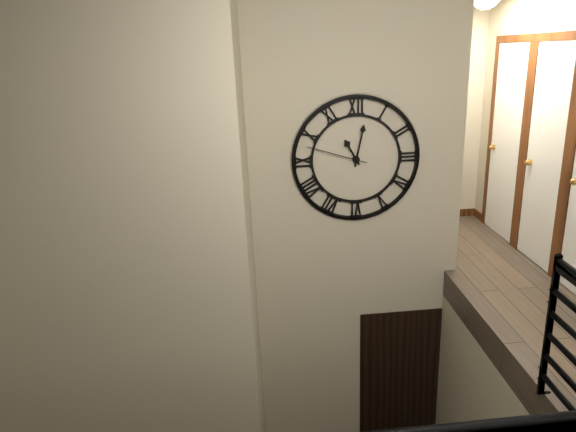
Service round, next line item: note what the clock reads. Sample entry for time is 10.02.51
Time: 11.02.48
